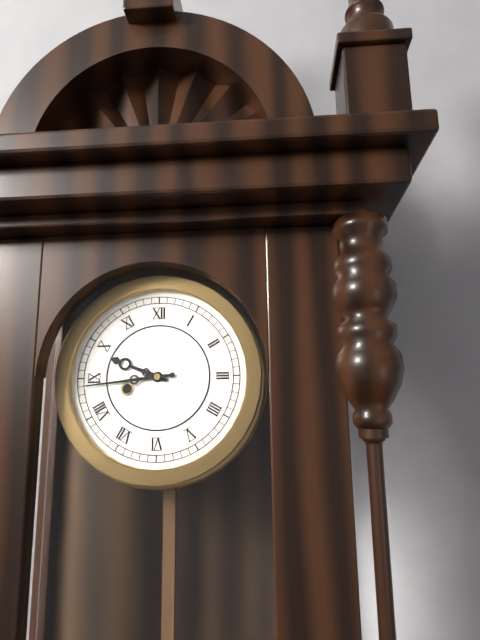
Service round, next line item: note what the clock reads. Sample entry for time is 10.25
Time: 9.44
